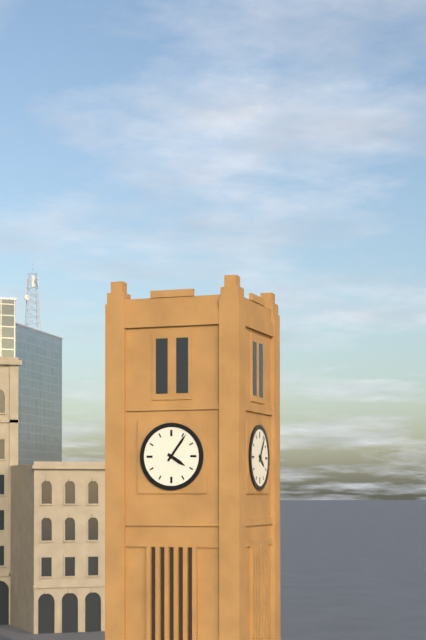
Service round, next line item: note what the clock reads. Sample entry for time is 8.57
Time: 4.06
